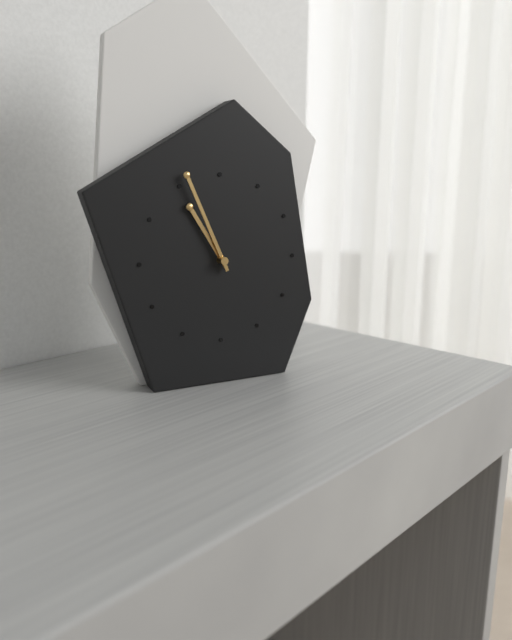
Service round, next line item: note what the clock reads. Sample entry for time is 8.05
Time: 10.56
